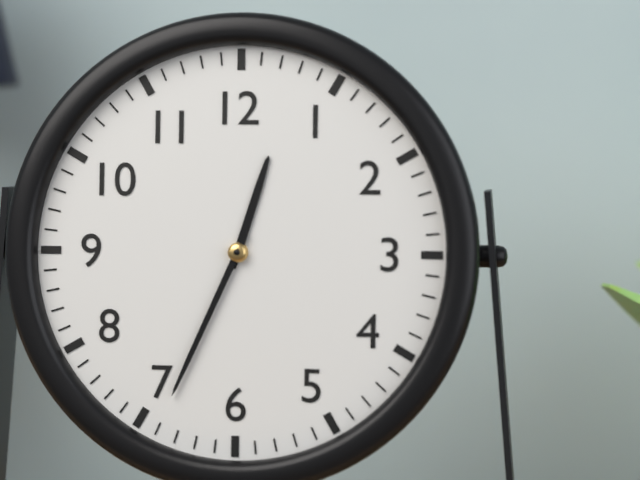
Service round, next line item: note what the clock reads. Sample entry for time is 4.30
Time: 12.34
